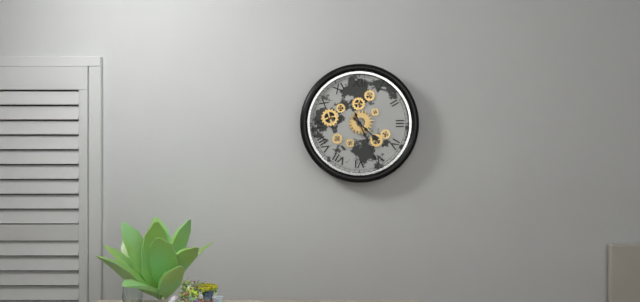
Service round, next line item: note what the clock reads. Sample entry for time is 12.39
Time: 4.26
